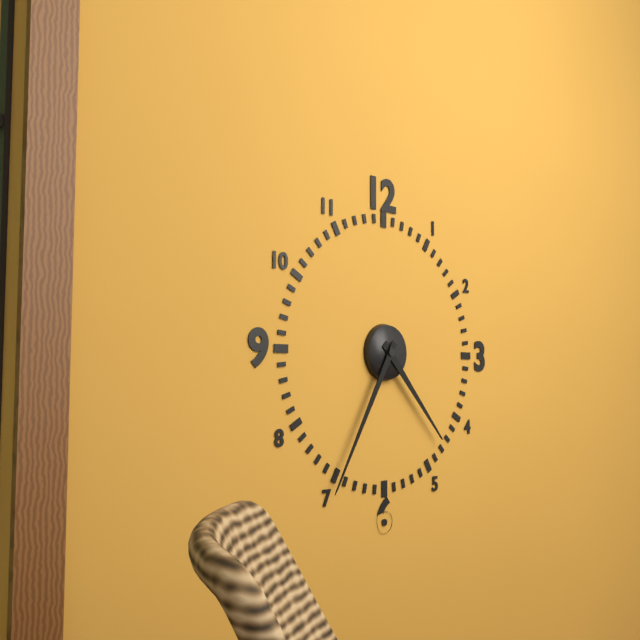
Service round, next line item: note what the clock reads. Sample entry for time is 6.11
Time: 4.35
